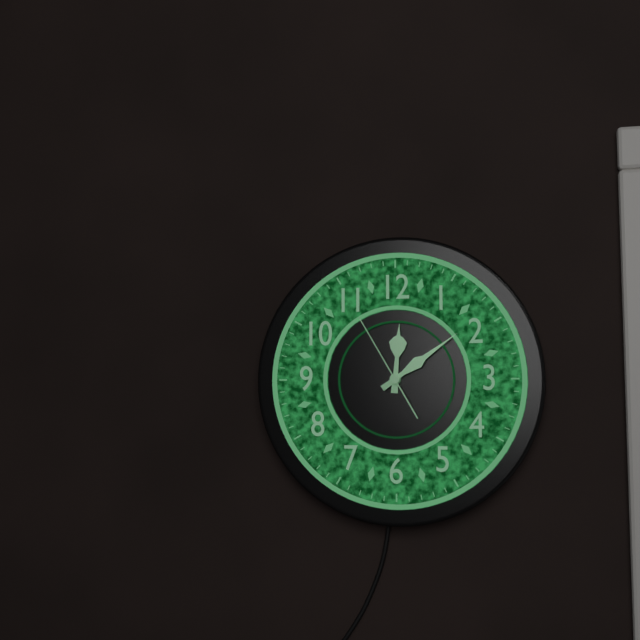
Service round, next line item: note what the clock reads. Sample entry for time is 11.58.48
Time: 12.09.55
